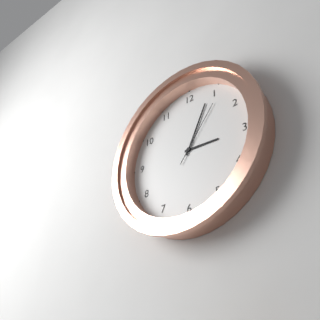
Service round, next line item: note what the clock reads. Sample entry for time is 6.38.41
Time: 3.04.06
